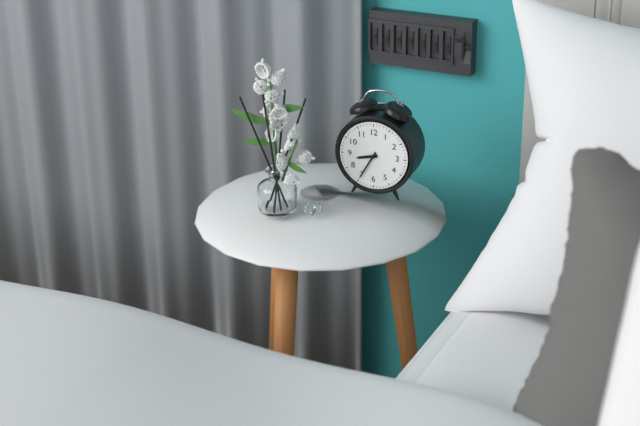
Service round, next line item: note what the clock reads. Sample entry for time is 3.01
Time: 8.35
